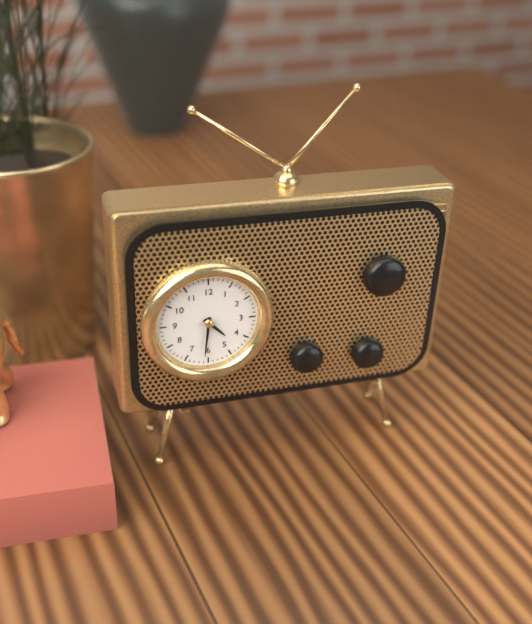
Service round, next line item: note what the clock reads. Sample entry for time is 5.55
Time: 4.31
